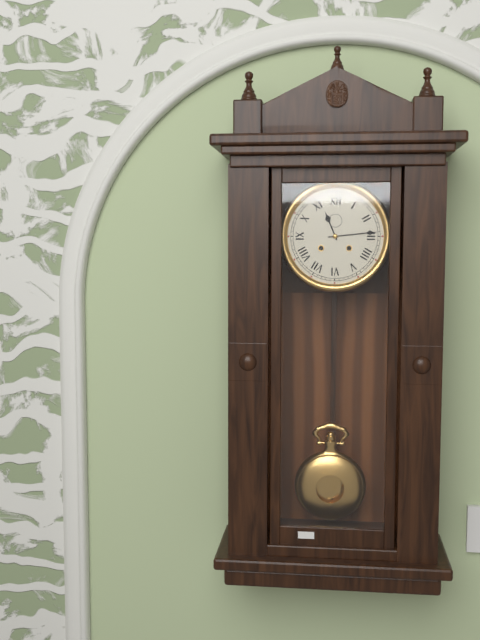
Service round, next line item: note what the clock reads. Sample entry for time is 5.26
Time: 11.14
